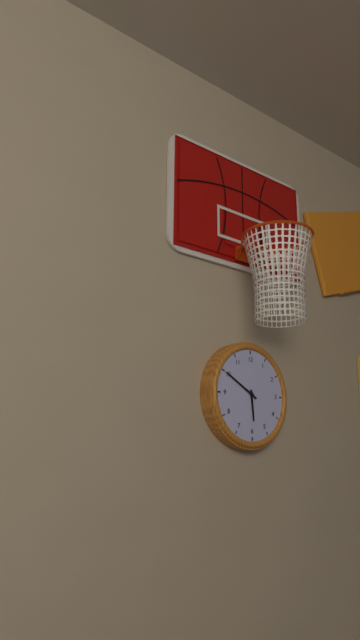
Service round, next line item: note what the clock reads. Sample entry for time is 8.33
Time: 5.50
